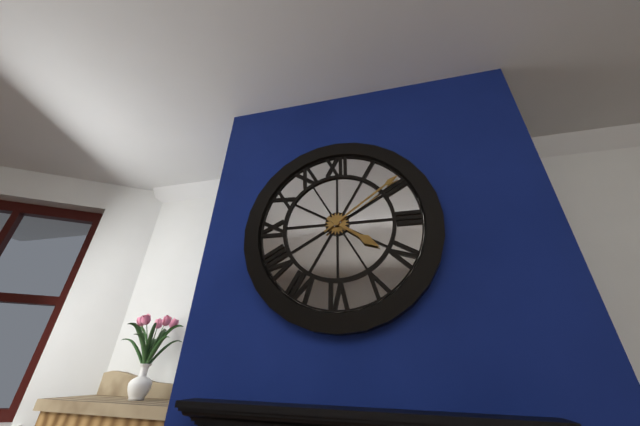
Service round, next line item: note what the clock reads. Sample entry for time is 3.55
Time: 4.09
